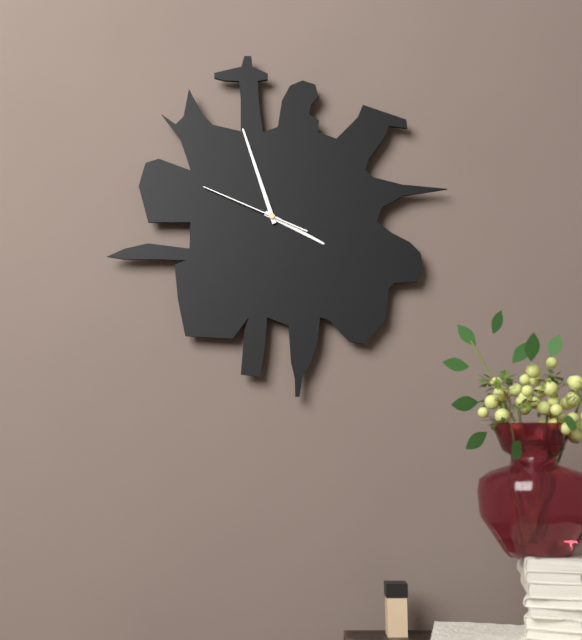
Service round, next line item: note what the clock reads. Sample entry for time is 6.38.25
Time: 3.57.49
